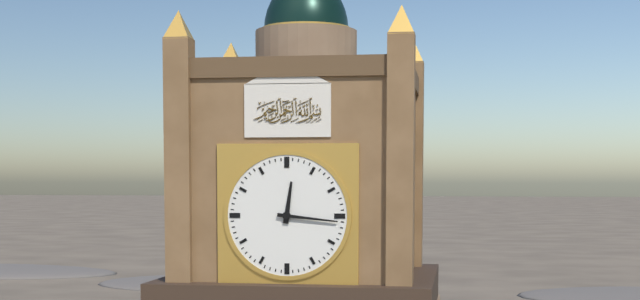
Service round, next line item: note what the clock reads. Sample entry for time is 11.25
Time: 12.16
